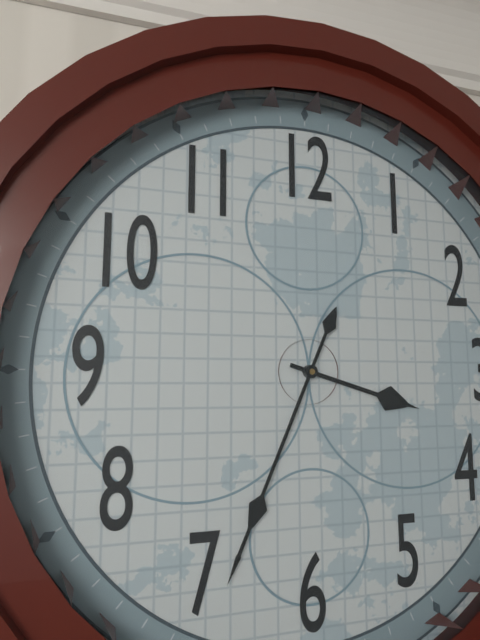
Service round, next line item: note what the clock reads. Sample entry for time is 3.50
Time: 3.34
